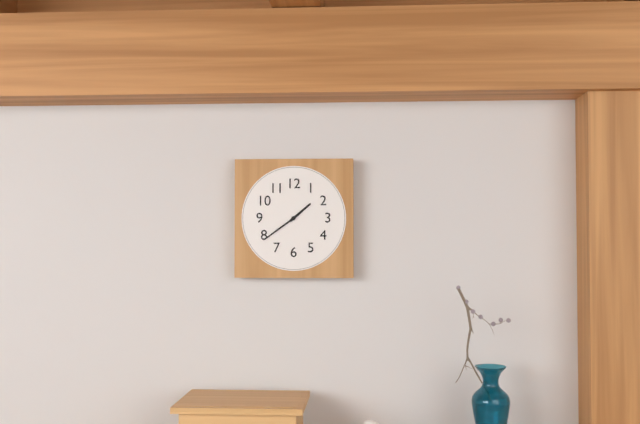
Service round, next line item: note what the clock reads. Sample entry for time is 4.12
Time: 1.39
